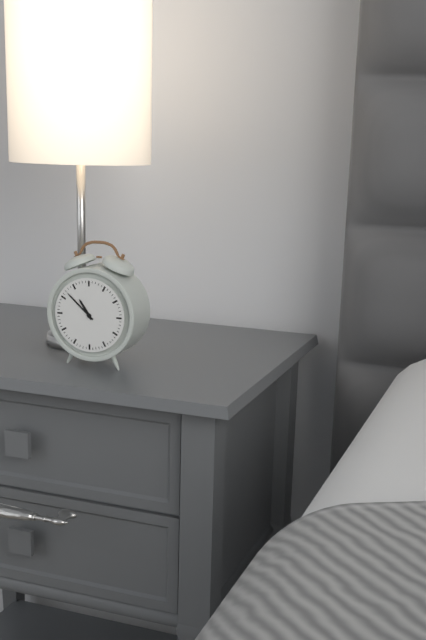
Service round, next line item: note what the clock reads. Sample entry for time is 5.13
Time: 10.52
